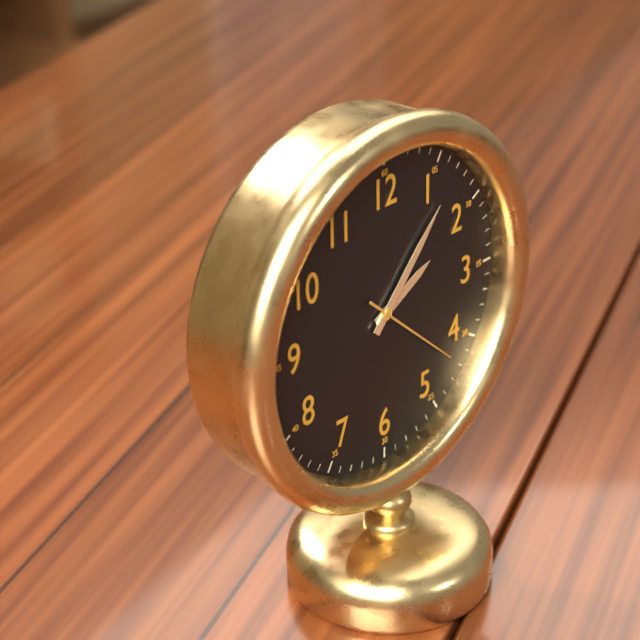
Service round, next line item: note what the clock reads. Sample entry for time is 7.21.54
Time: 2.07.22
